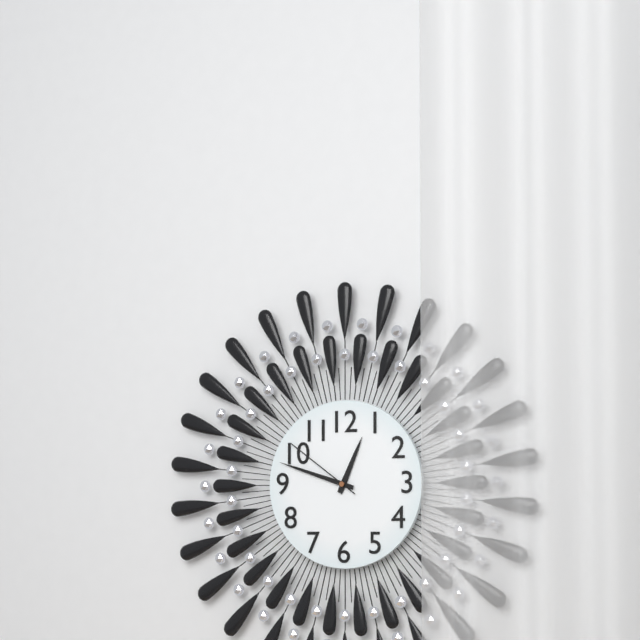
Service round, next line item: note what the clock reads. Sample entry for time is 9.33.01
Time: 12.48.51
